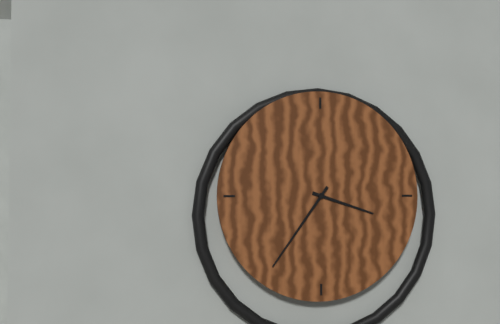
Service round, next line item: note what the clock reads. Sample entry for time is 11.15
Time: 3.36
